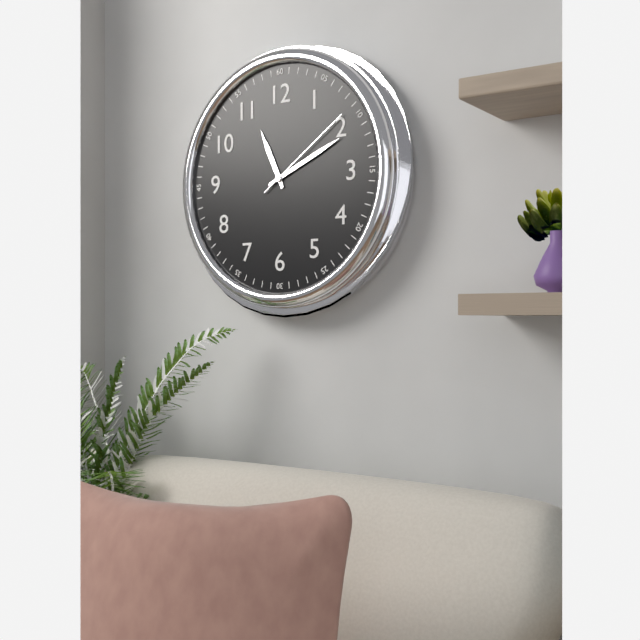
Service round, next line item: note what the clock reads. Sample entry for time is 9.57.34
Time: 11.11.09
